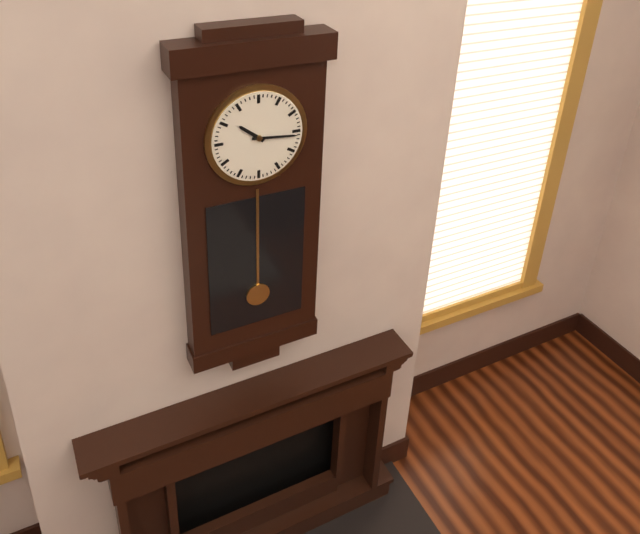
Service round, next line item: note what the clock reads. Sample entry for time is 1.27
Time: 10.16
